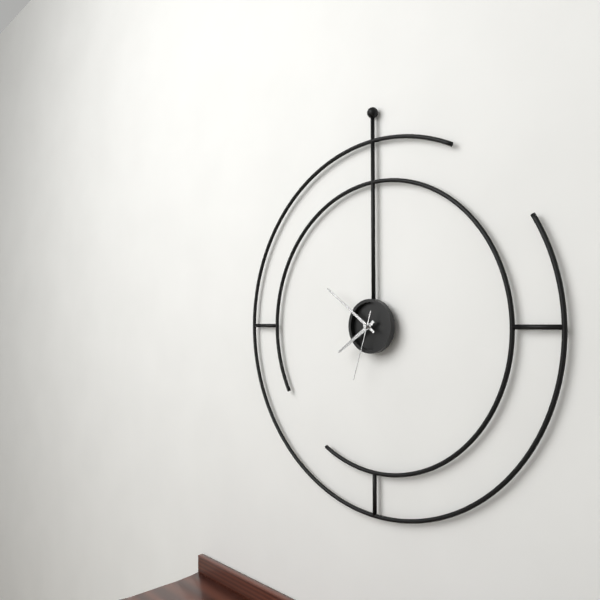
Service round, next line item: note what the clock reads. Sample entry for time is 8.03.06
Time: 7.51.33
